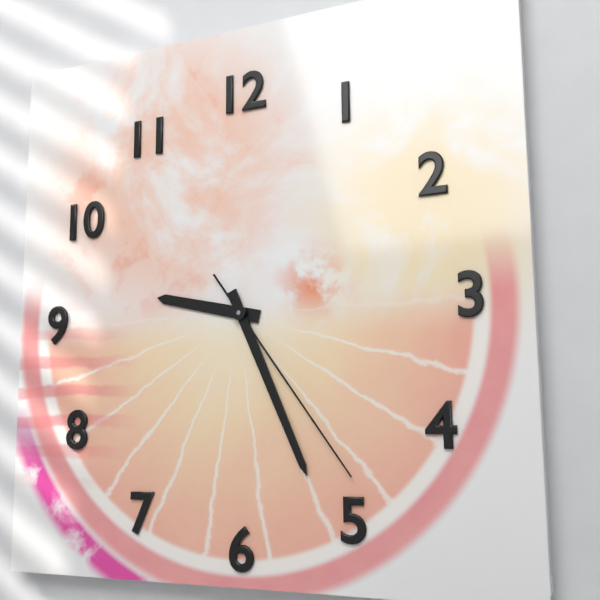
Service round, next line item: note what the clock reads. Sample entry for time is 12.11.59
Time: 9.26.24
